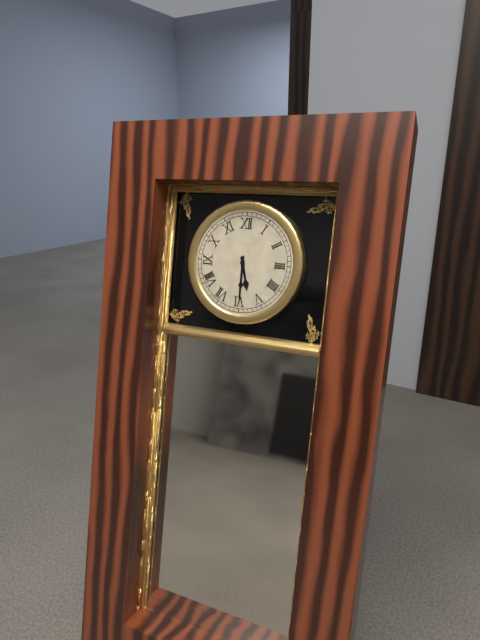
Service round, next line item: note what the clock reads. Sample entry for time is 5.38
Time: 5.30
